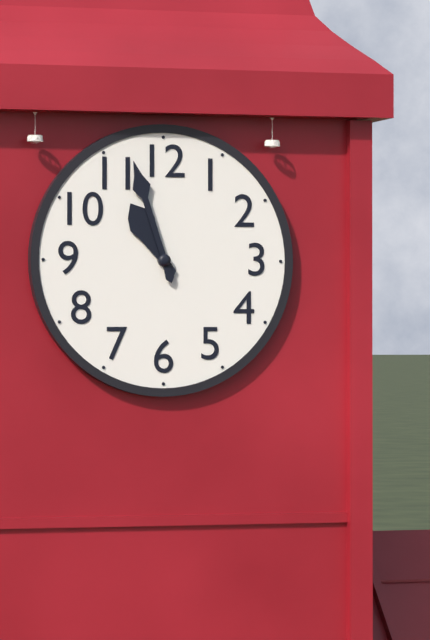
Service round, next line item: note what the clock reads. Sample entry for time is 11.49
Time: 10.57
